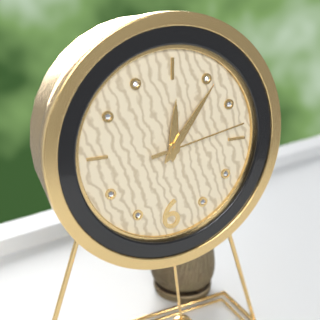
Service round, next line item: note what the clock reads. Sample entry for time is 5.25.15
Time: 12.06.13
